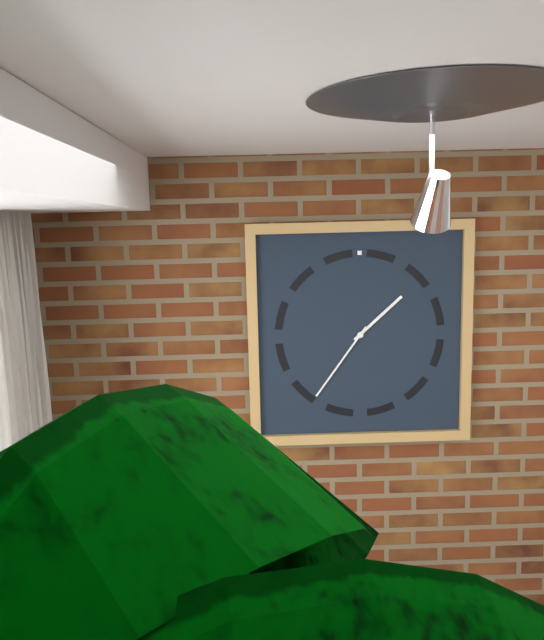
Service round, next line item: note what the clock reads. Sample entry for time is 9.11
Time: 1.36
